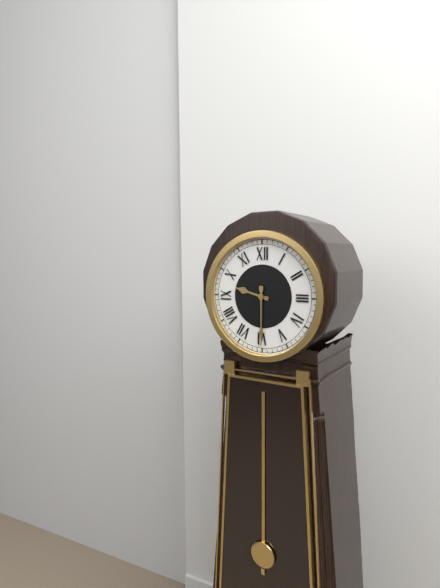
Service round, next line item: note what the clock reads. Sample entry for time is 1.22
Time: 9.30
